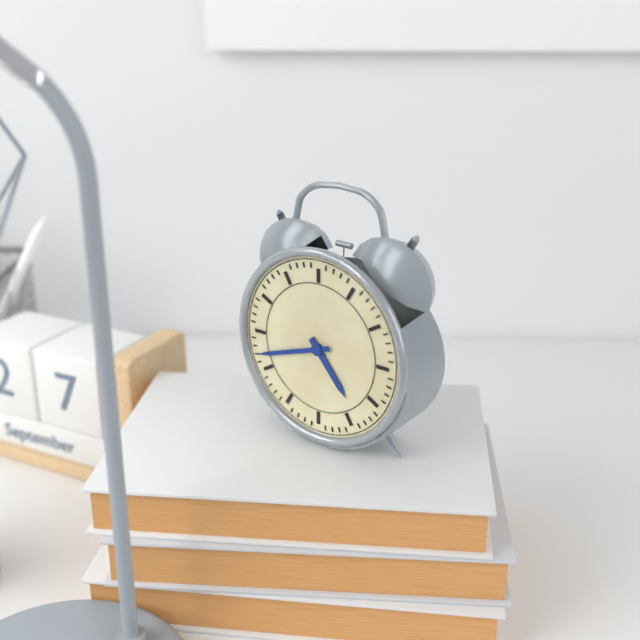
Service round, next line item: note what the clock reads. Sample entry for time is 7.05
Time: 4.42
